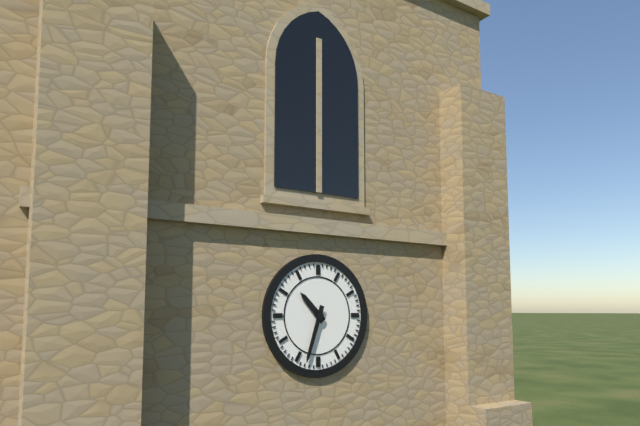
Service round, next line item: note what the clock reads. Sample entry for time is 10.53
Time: 10.33
